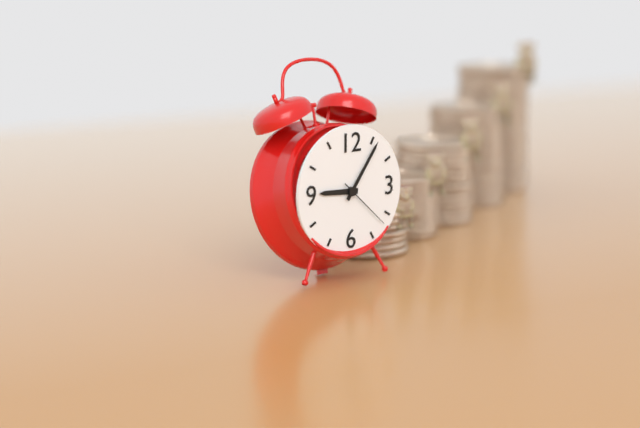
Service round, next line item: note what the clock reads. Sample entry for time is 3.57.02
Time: 9.06.22
